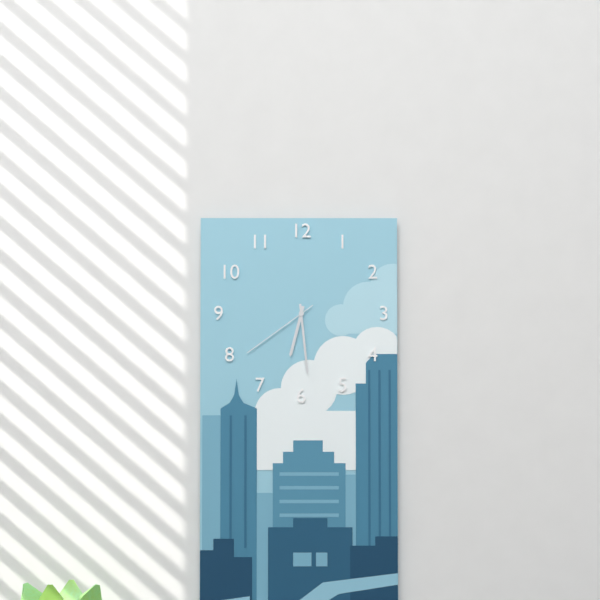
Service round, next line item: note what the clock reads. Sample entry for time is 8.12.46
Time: 6.29.39
